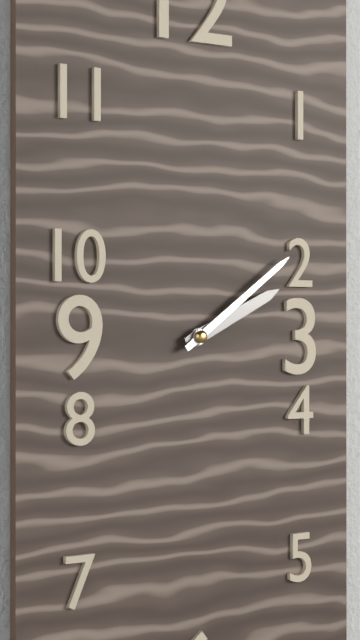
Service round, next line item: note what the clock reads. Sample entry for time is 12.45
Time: 2.09
